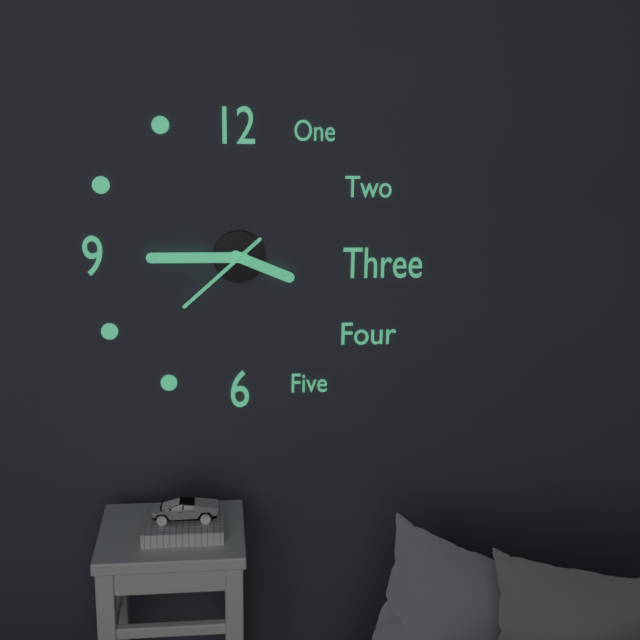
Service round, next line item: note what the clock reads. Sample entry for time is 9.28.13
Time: 3.45.38
